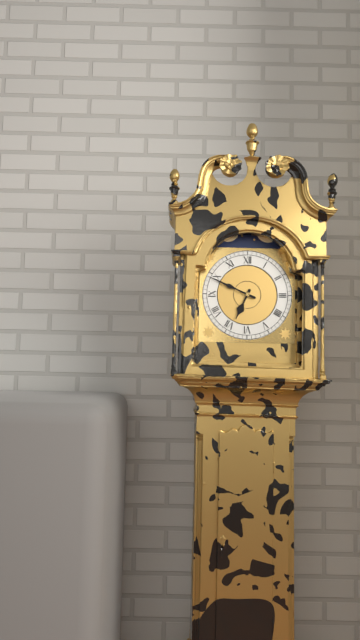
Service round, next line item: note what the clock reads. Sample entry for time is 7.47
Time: 6.49
